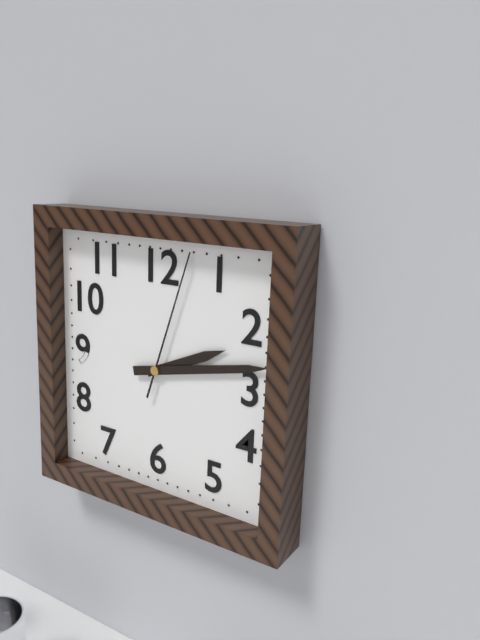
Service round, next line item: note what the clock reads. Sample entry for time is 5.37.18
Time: 2.13.03
